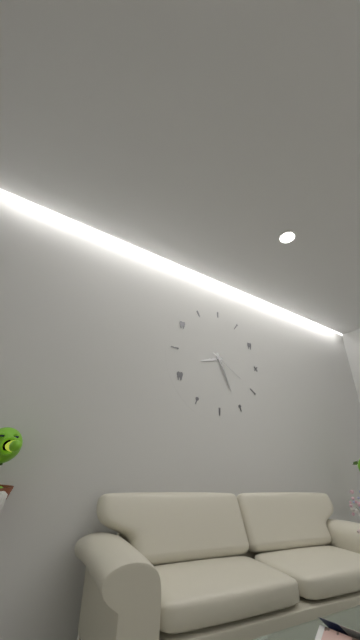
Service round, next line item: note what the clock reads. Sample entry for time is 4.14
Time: 8.26
